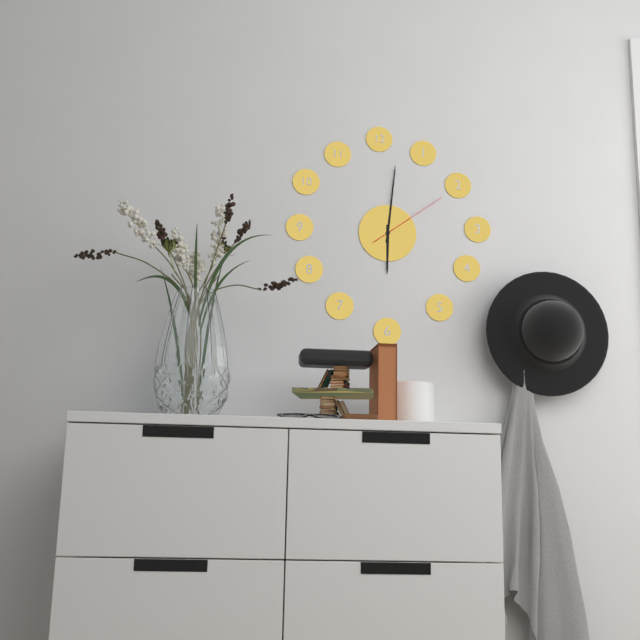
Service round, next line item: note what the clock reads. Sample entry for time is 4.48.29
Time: 6.01.09
